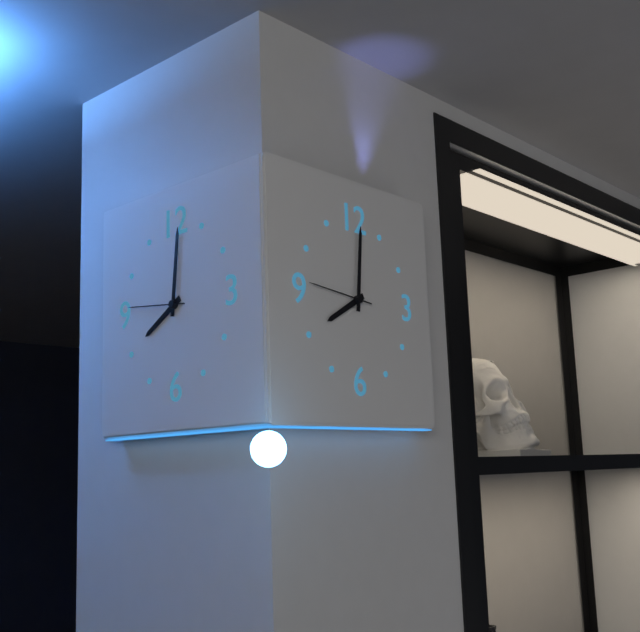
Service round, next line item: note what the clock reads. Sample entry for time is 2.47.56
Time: 8.01.46
